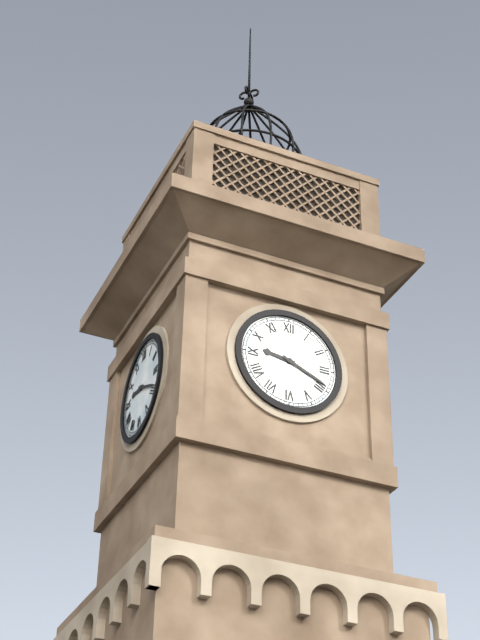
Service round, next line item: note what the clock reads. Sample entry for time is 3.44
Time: 9.19
